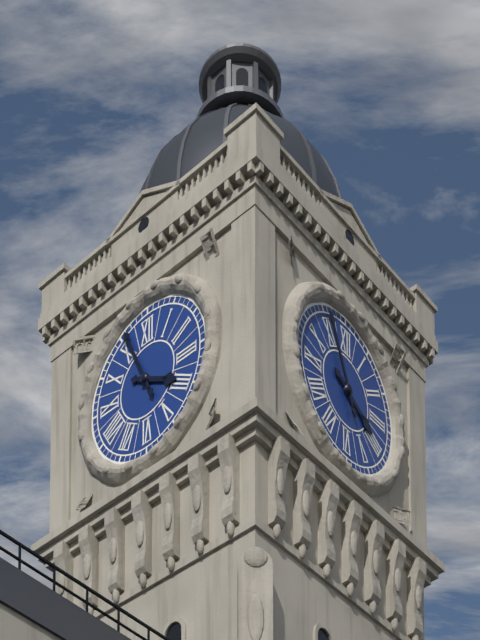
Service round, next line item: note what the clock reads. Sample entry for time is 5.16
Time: 3.56
